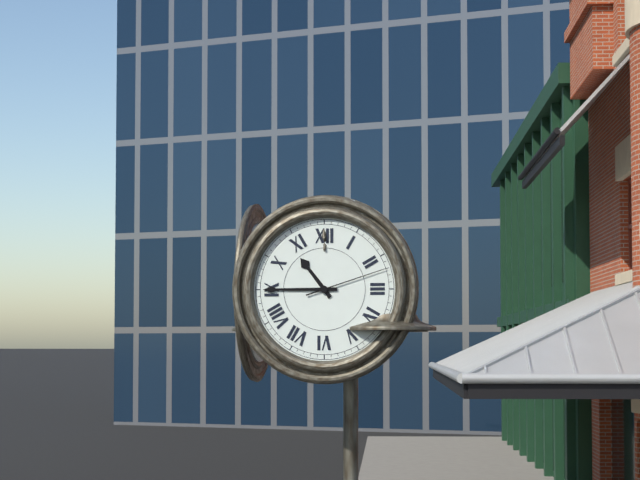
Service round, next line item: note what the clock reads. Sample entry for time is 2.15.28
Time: 10.45.12
